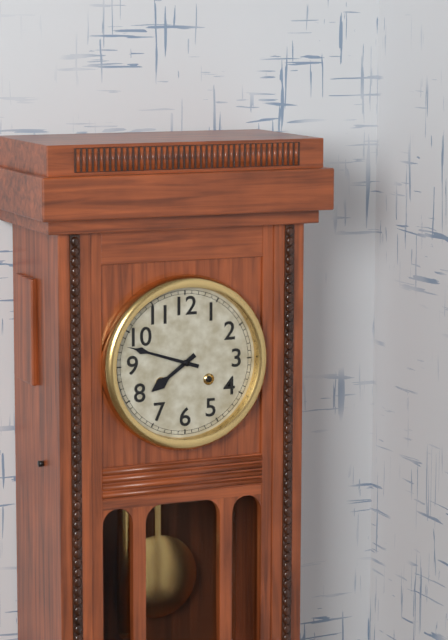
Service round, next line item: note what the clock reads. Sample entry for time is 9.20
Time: 7.48
